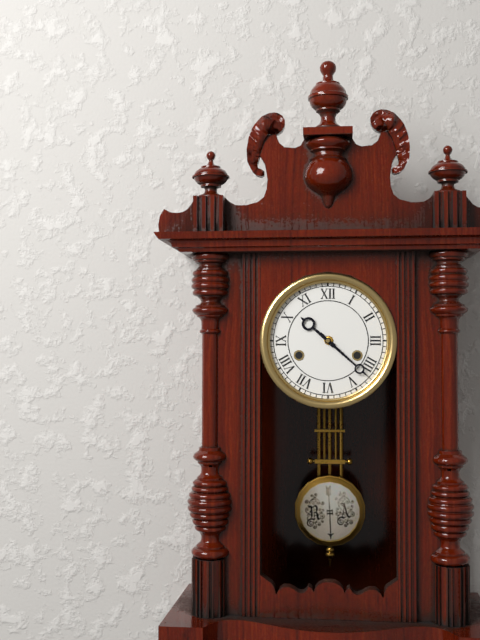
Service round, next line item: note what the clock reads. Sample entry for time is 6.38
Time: 10.22
